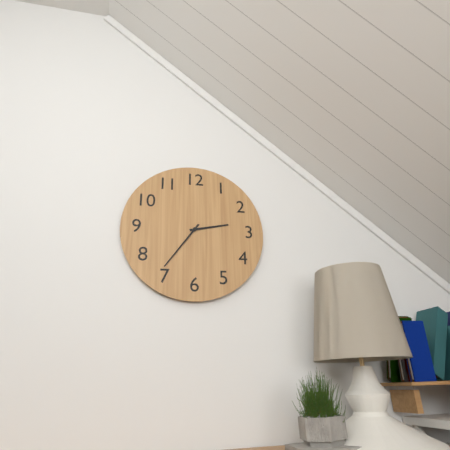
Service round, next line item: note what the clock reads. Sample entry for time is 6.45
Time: 2.36
